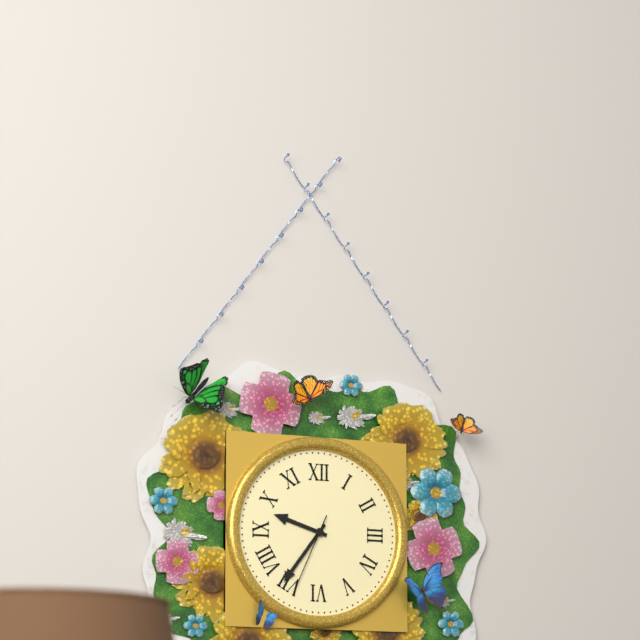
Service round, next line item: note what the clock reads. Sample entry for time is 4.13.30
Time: 9.36.34
